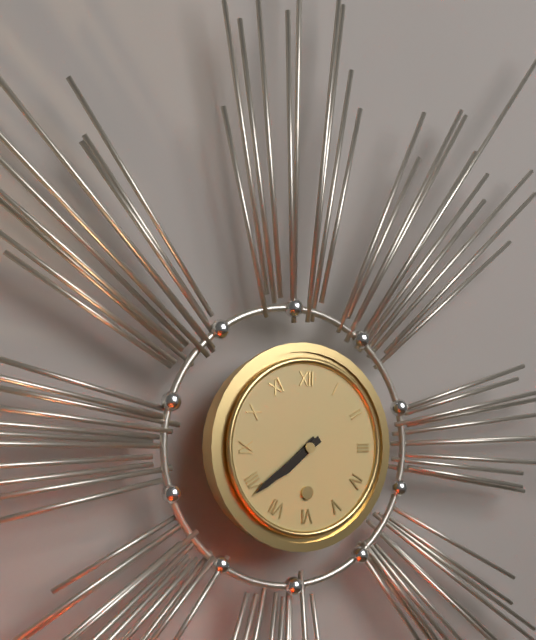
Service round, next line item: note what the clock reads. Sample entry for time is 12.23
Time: 7.39
